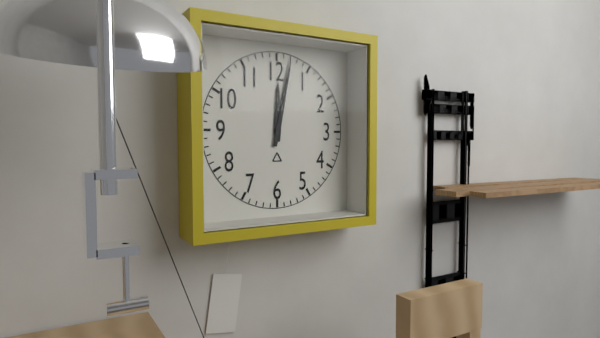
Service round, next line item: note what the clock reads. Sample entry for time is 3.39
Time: 12.02
